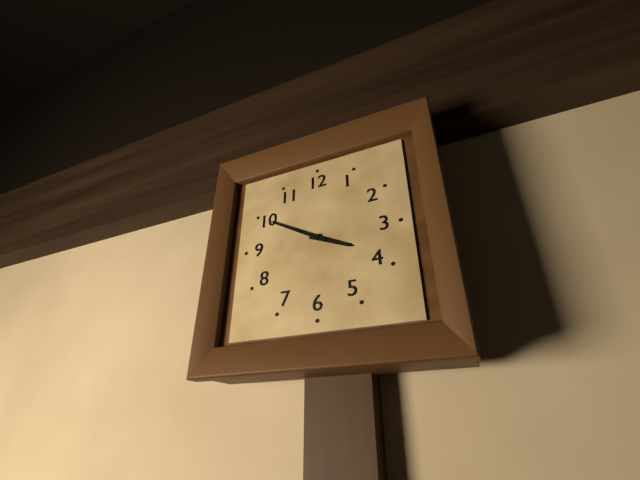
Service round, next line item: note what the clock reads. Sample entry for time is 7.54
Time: 3.50
